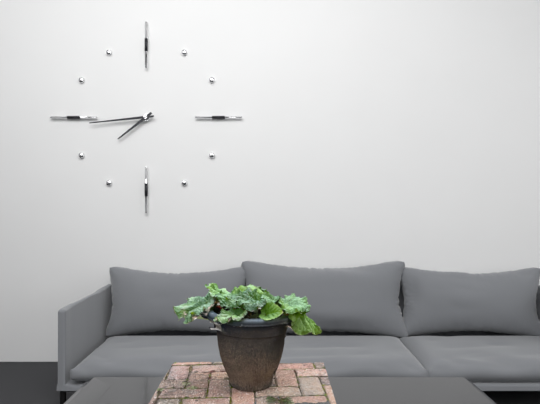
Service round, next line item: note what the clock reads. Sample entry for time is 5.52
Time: 7.44
